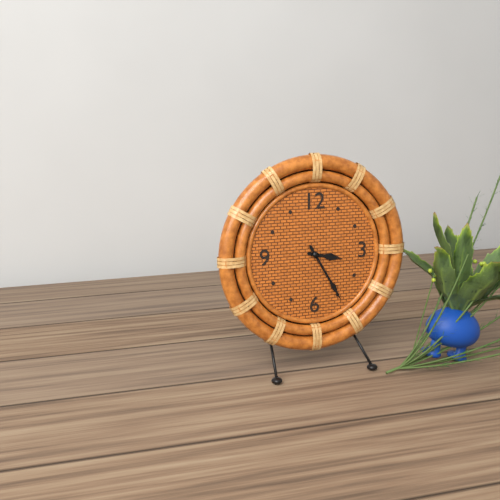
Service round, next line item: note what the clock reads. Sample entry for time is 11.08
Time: 3.25
